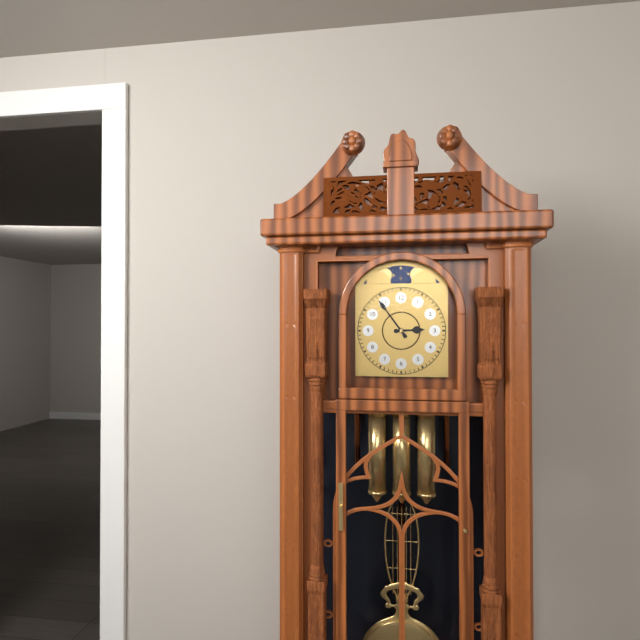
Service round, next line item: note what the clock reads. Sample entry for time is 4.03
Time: 2.54
